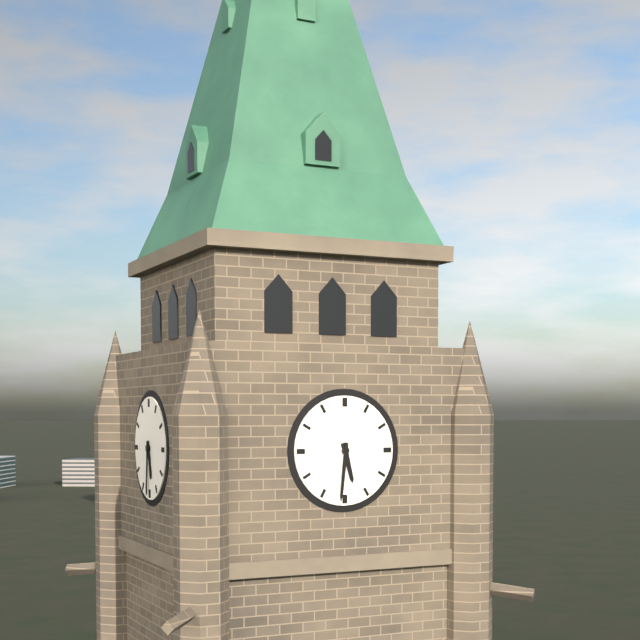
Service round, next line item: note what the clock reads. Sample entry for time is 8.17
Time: 5.31
